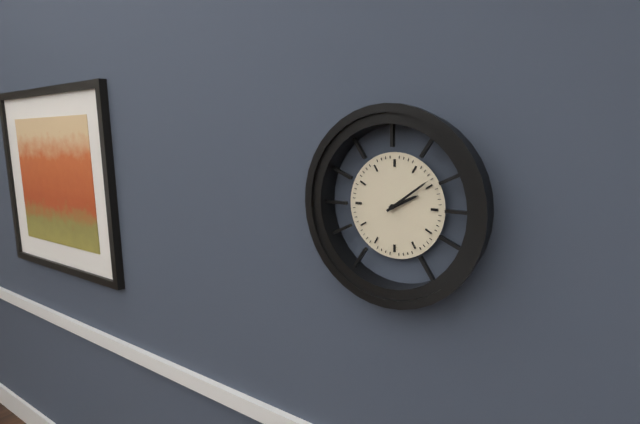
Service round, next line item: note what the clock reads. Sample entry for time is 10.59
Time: 2.09
